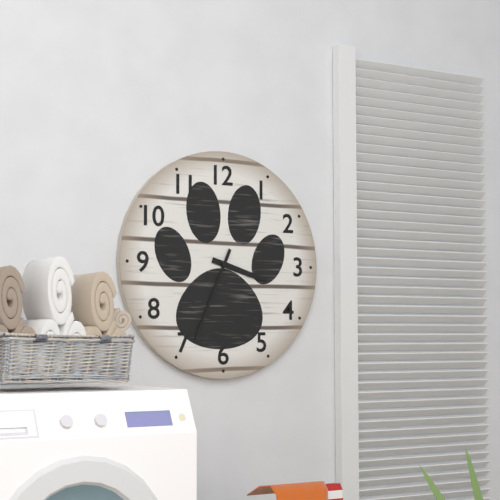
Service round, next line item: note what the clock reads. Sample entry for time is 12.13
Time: 3.34
